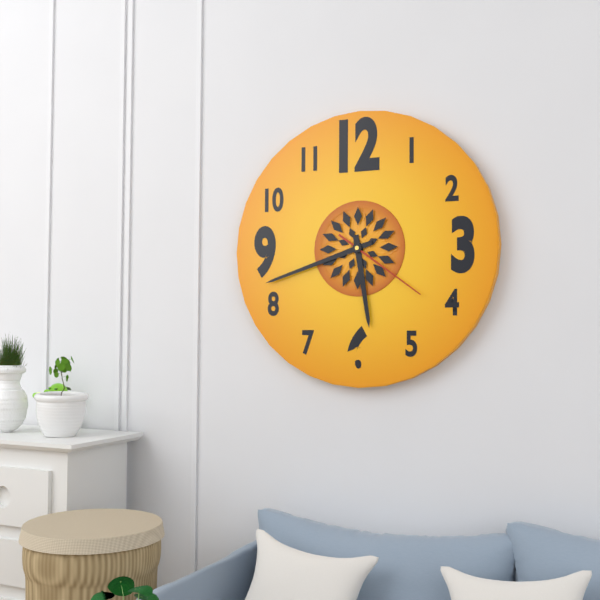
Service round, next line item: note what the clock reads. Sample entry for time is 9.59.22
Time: 5.42.21
